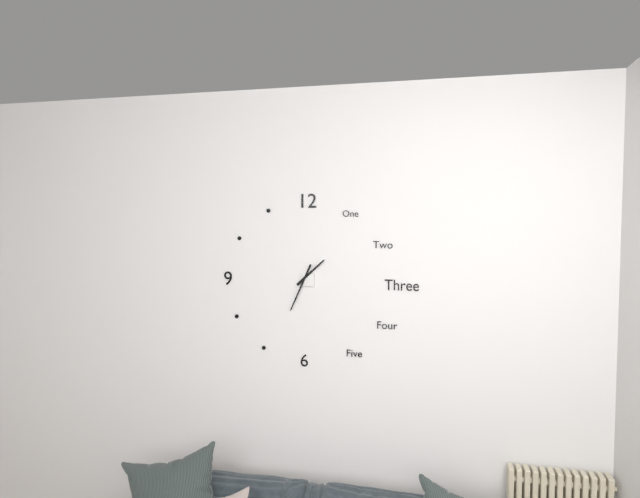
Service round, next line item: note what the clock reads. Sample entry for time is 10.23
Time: 1.34
